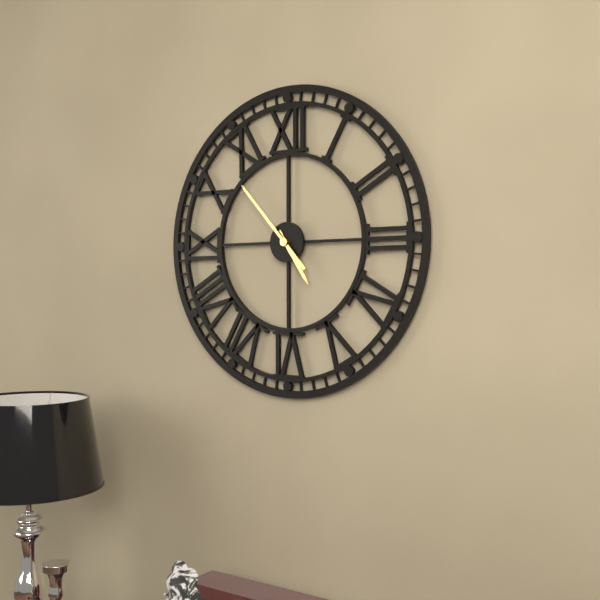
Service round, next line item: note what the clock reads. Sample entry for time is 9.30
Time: 4.53
